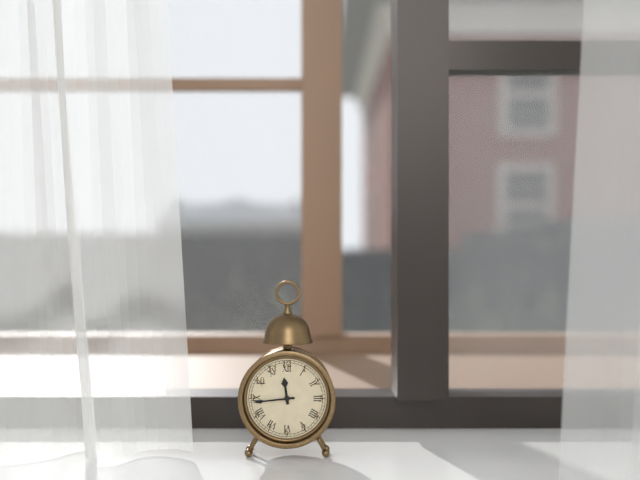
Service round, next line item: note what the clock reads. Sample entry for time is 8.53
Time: 11.44
